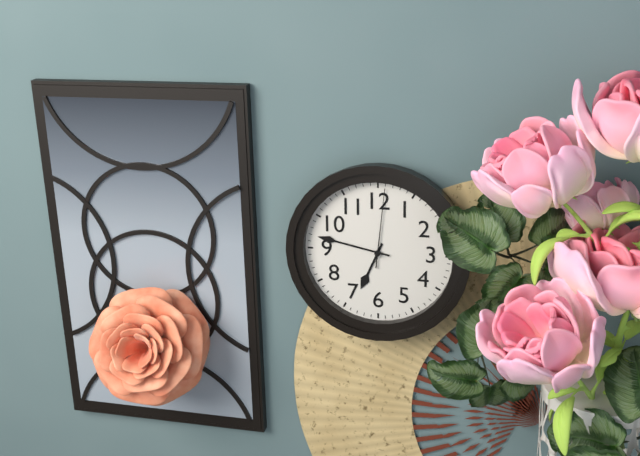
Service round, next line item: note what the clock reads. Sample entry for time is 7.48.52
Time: 6.47.01
